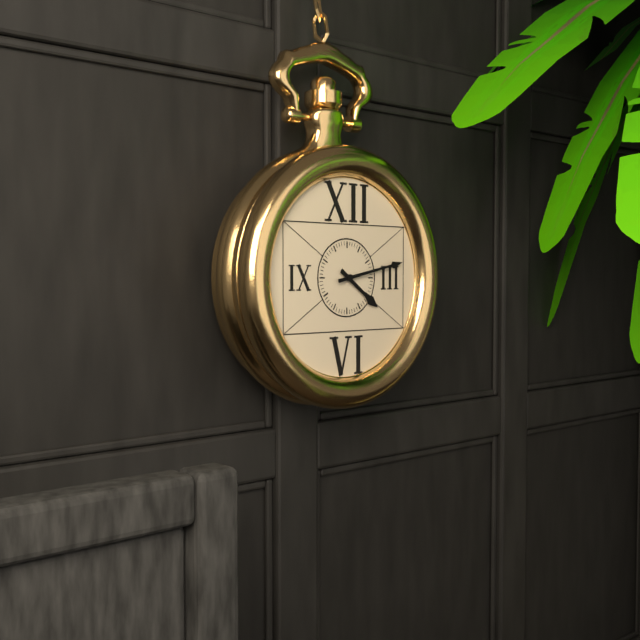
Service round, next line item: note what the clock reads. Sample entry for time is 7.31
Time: 4.13
